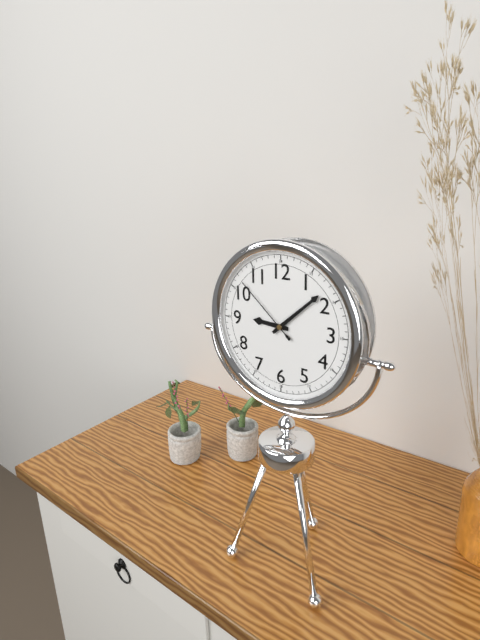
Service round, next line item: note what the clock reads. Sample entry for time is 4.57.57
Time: 9.08.52
